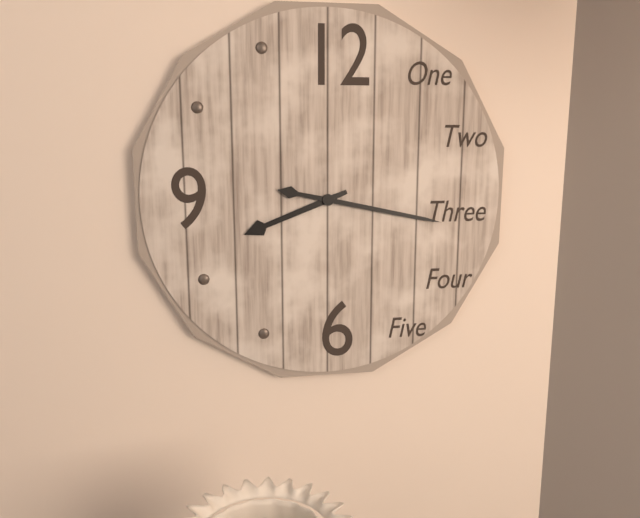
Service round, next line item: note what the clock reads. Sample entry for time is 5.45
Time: 8.17
